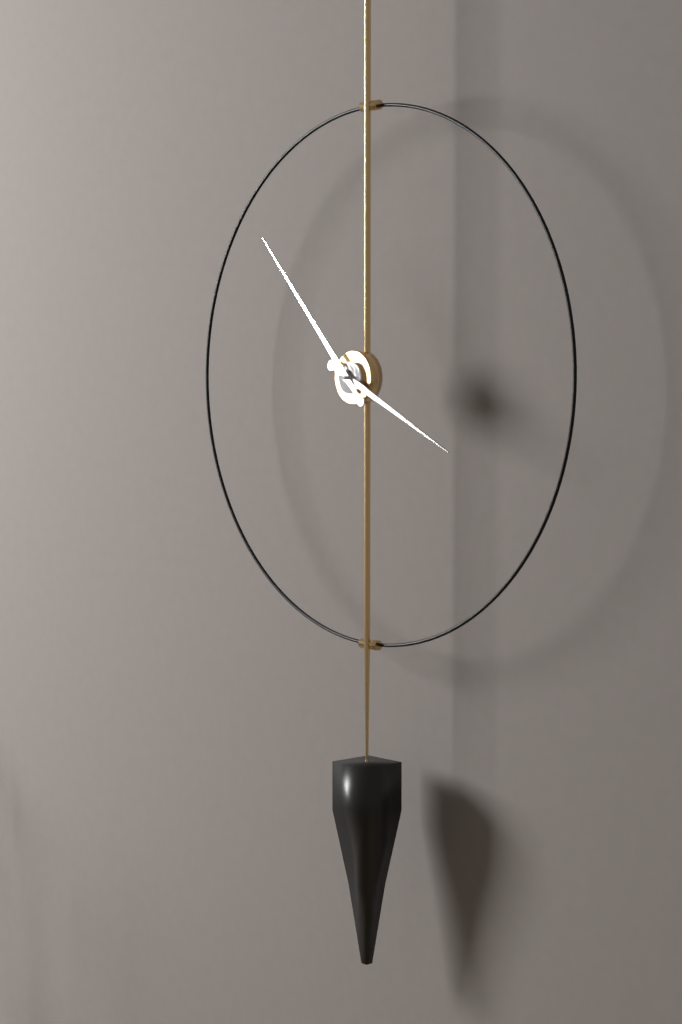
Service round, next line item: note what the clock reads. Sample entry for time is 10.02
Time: 3.53
